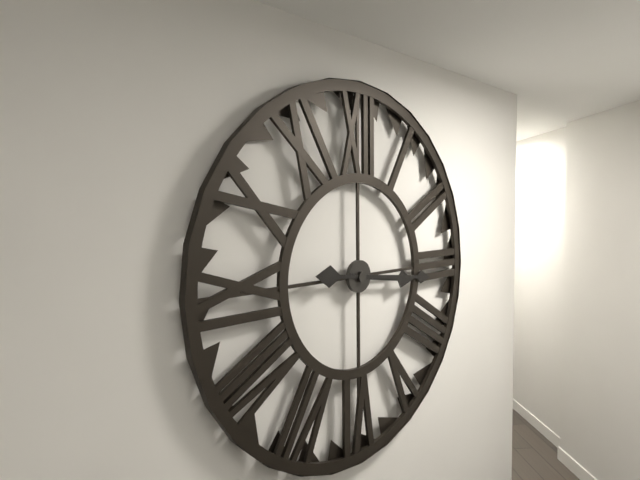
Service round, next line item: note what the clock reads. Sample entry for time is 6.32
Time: 3.16
